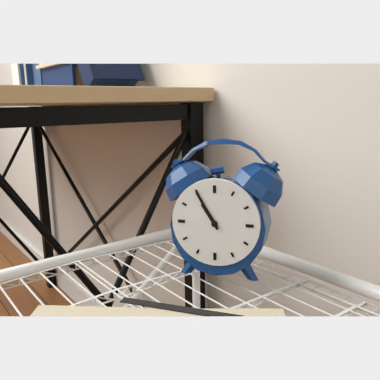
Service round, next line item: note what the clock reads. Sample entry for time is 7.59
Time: 10.55
